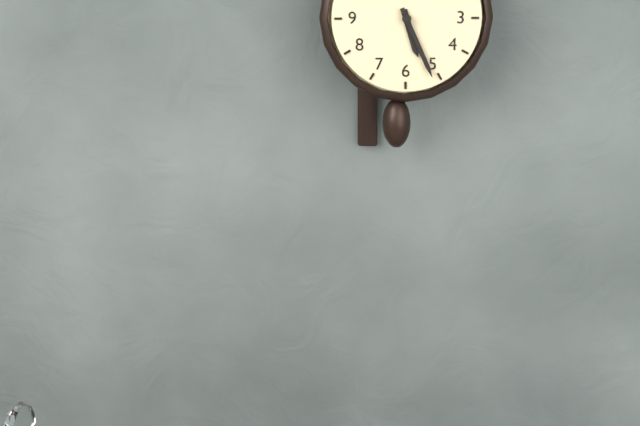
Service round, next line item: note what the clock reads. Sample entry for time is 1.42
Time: 5.26
